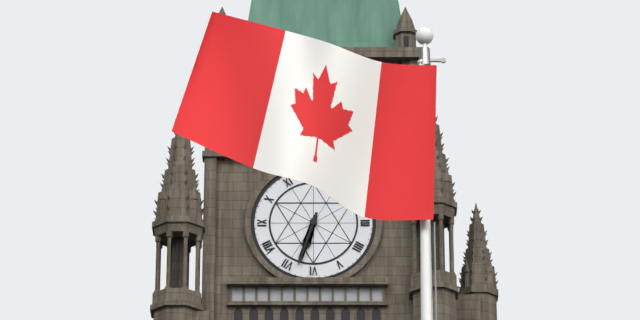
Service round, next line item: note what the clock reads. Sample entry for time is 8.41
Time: 6.33
